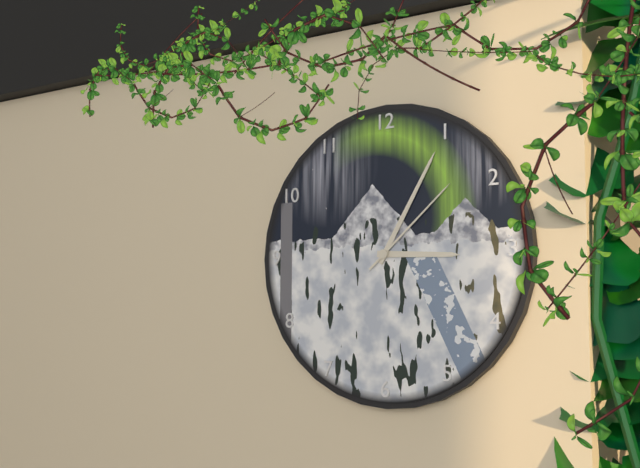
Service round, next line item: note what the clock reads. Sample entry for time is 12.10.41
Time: 3.05.08
